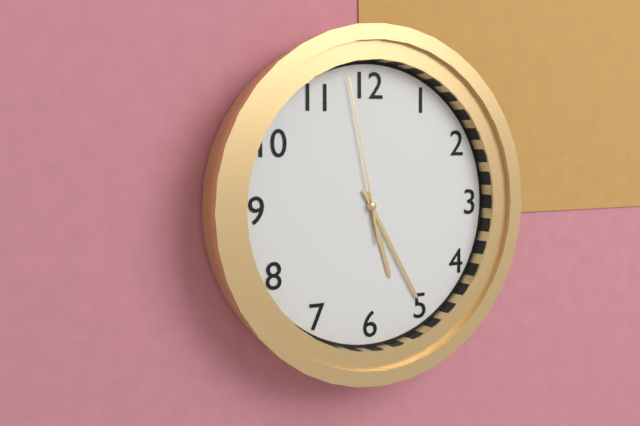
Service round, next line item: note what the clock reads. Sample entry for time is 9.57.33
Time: 5.25.58
